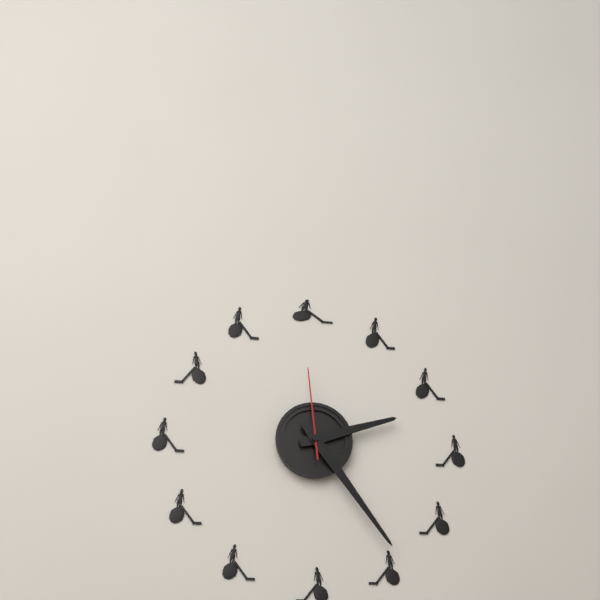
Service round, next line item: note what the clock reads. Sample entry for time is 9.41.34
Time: 2.24.59
